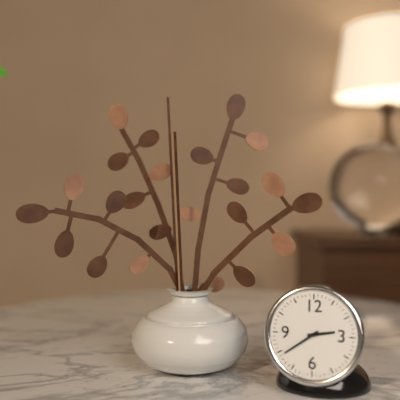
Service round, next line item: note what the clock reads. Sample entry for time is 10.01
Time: 2.39
